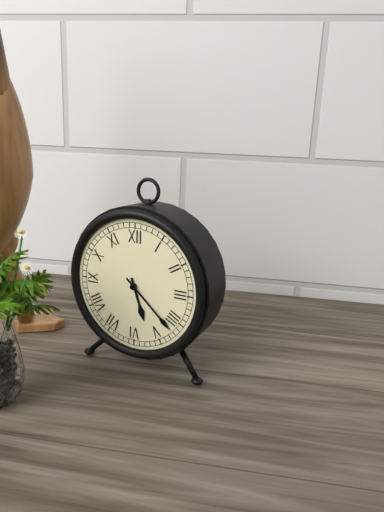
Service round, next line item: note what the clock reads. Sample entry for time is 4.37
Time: 5.22
